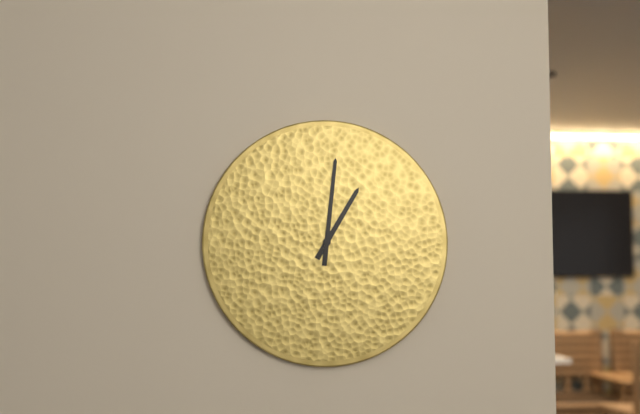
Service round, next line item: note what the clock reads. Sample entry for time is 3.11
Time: 1.01
